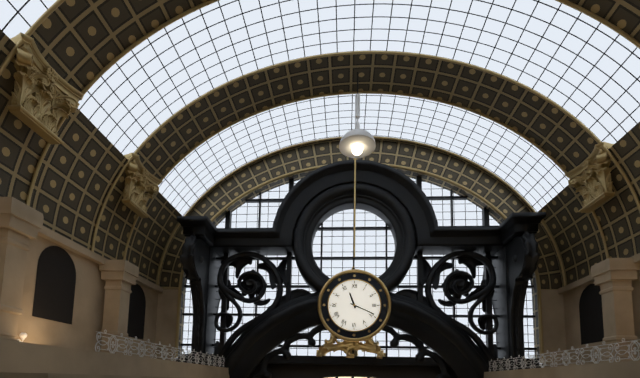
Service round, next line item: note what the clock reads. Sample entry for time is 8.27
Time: 11.19
